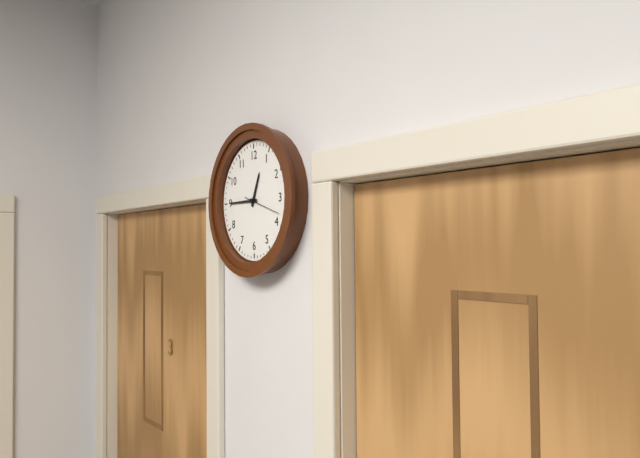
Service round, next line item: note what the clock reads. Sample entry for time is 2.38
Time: 12.45
